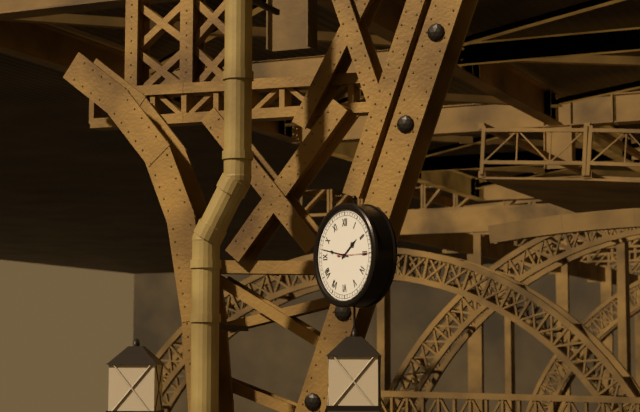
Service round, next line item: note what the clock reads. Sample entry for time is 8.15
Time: 1.47
